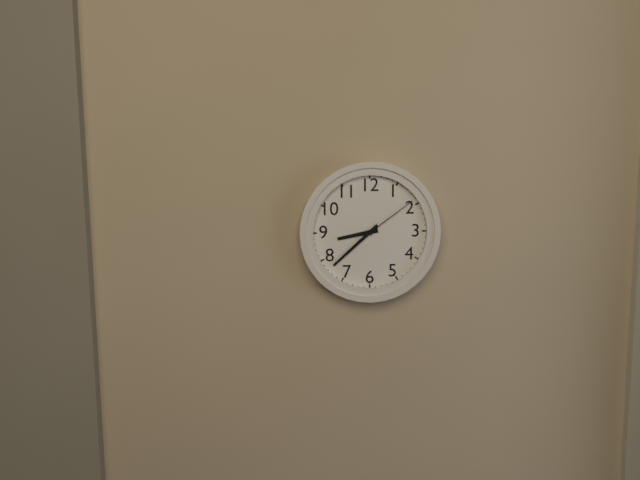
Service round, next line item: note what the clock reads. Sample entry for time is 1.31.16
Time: 8.38.09
